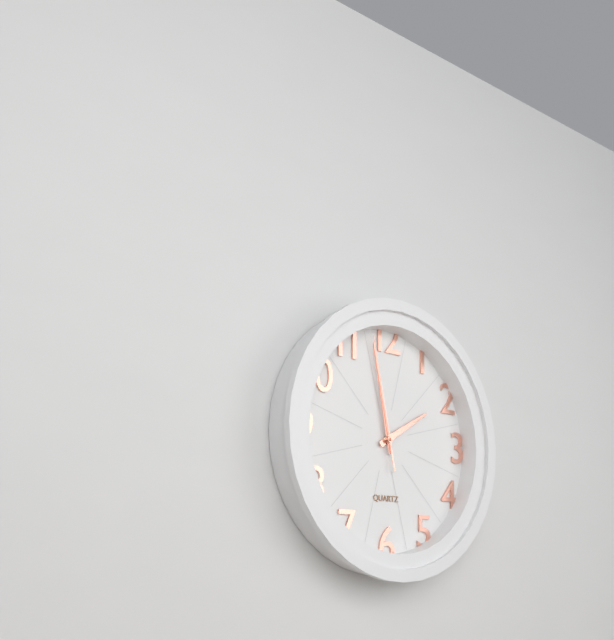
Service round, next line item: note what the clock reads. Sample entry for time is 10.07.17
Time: 1.58.58
